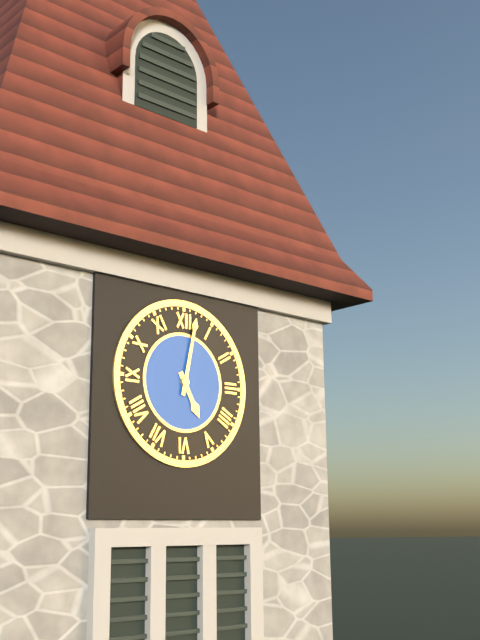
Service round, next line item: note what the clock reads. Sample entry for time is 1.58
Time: 5.02
